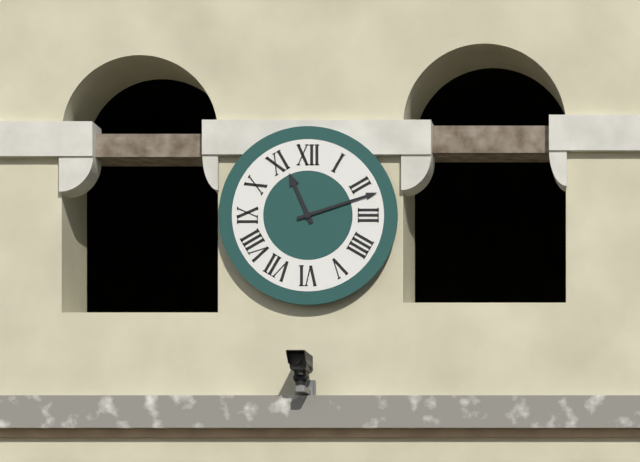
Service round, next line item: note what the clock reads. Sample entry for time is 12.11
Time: 11.12
